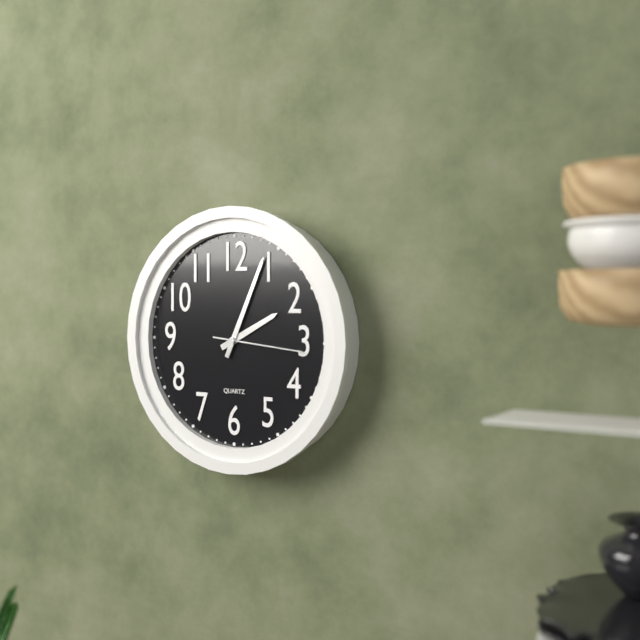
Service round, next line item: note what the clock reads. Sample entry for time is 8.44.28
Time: 2.04.16
